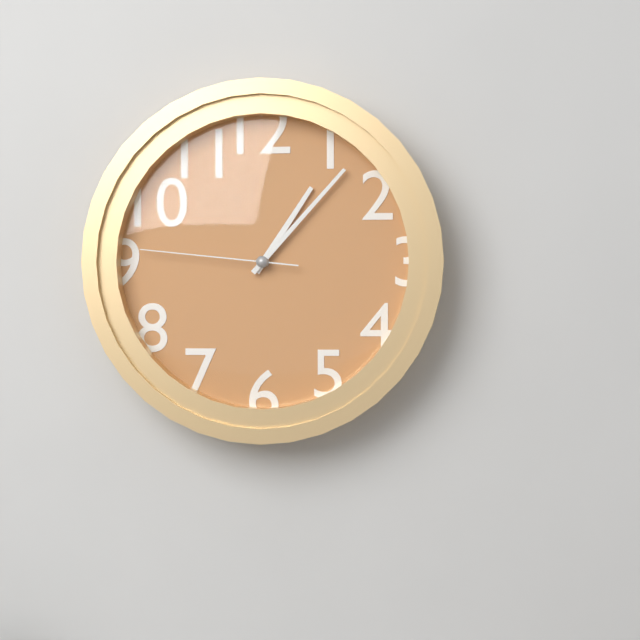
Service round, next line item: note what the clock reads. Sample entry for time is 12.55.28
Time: 1.07.46
